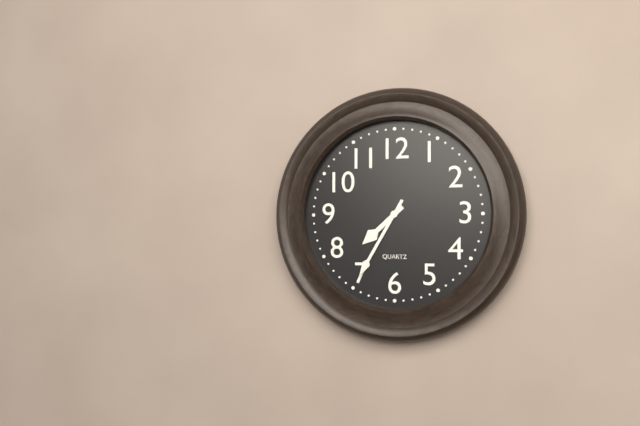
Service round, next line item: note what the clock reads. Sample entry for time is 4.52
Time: 7.35
